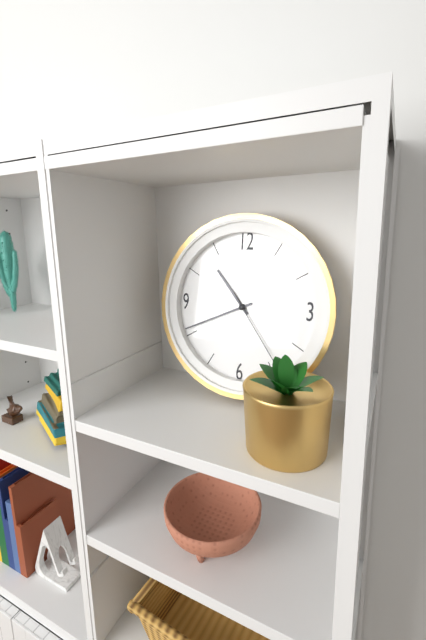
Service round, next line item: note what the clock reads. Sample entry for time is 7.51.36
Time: 10.41.24
